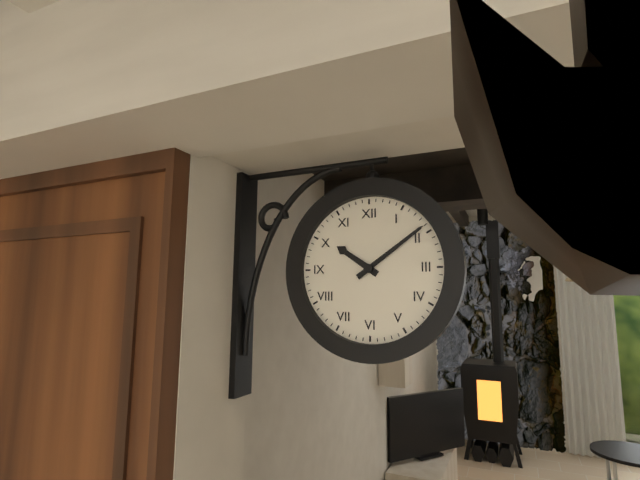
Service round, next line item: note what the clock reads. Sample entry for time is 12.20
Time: 10.09
